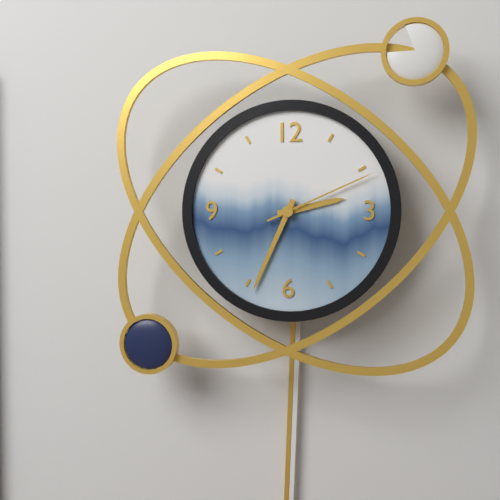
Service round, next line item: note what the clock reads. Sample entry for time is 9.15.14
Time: 2.34.11
